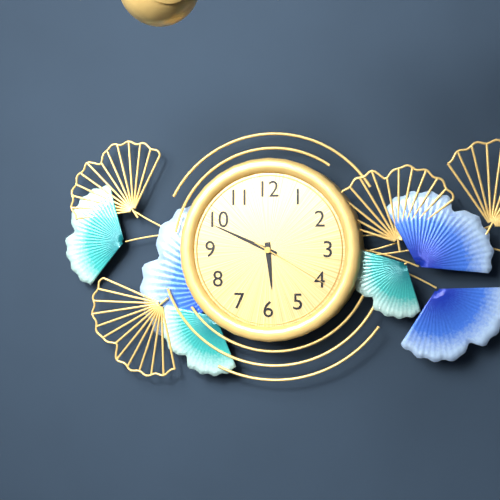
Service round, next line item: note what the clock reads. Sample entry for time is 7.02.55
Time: 5.49.20
